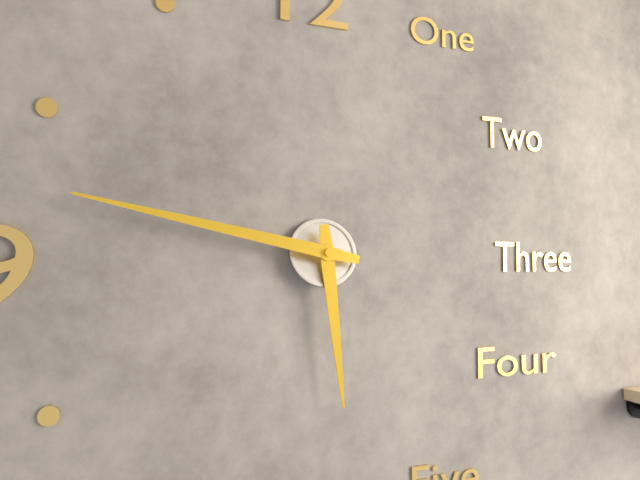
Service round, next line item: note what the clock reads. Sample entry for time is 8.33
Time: 5.47
